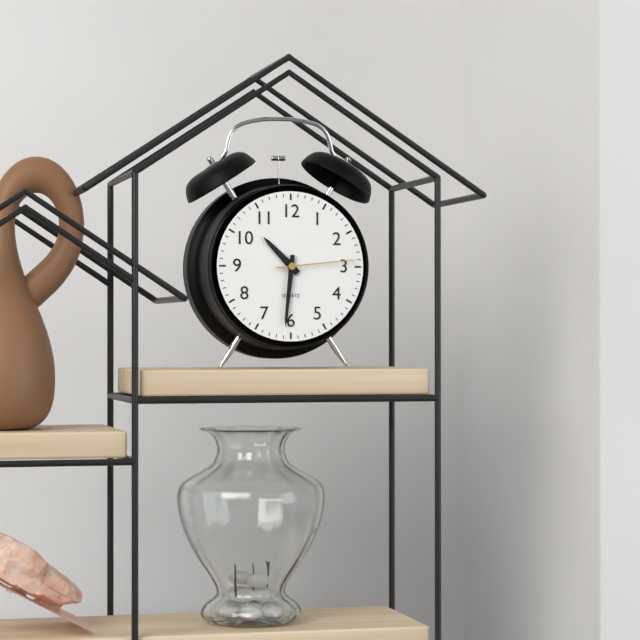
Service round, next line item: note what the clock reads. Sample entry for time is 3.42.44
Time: 10.31.14
